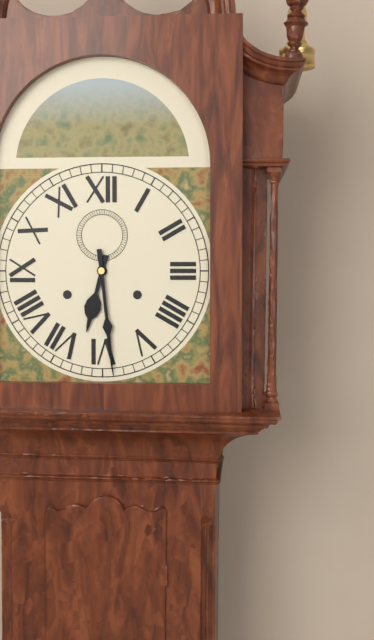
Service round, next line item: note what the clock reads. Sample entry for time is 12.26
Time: 6.29
